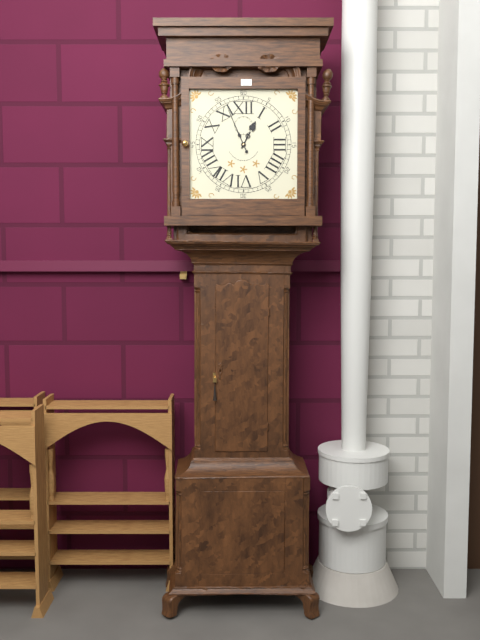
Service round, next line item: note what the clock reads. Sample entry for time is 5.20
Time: 12.56
